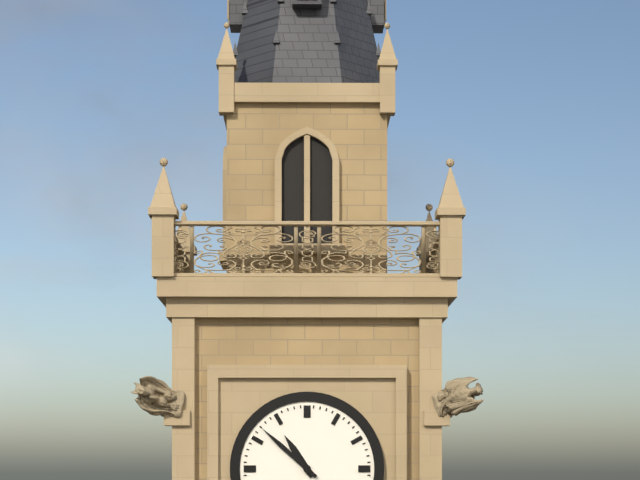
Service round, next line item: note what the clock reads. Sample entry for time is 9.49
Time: 10.52
